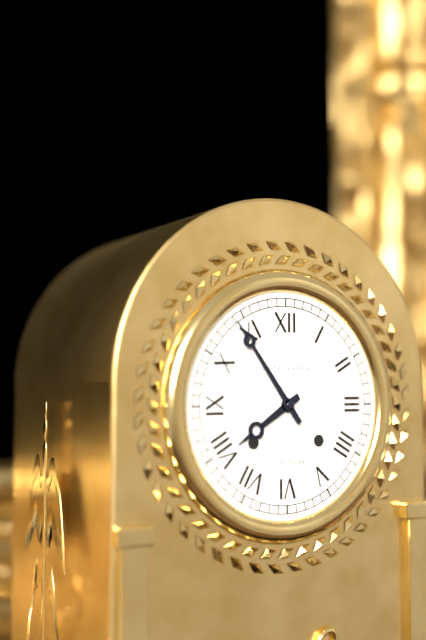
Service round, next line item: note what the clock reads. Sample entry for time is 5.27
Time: 7.54
